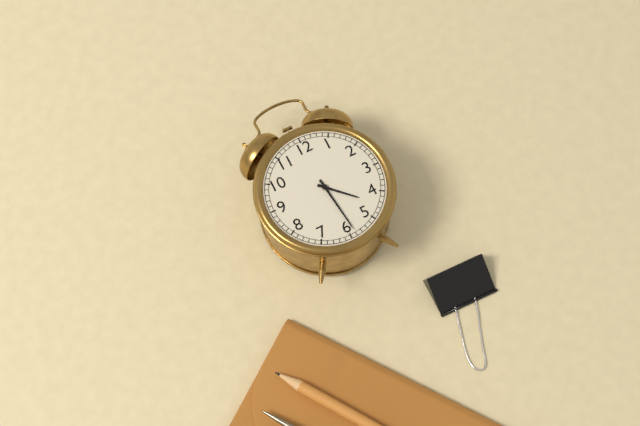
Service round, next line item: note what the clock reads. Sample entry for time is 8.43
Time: 4.29
